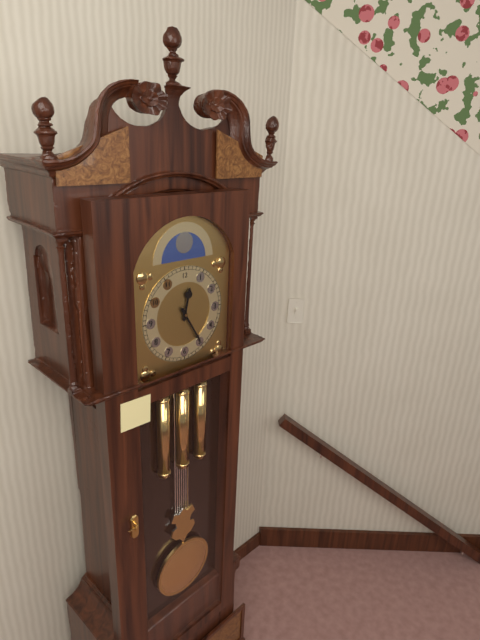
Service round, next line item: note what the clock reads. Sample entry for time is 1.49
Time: 12.25
